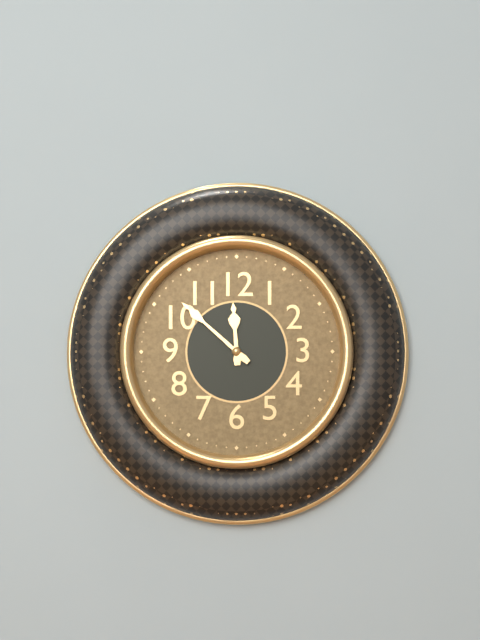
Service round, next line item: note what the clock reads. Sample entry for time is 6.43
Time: 11.52
